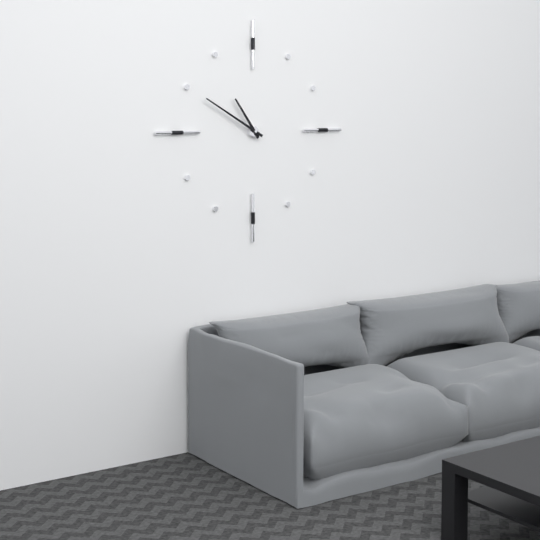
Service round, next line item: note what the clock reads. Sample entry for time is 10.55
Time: 10.50
